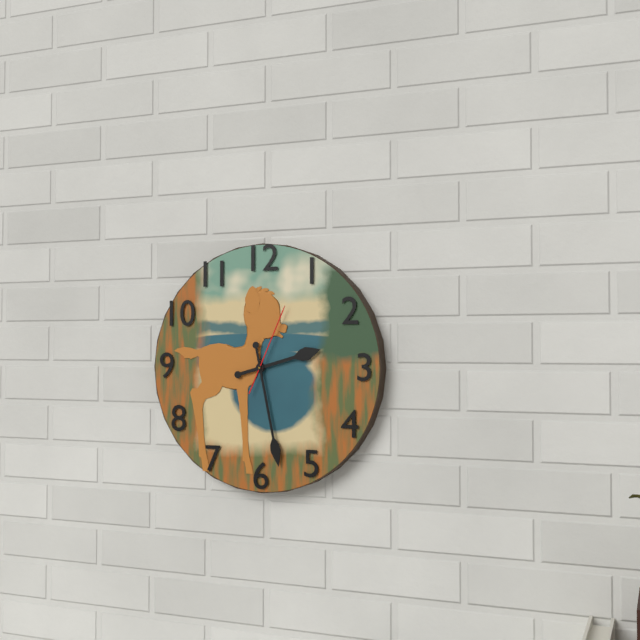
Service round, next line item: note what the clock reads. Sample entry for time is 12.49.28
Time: 2.28.04
